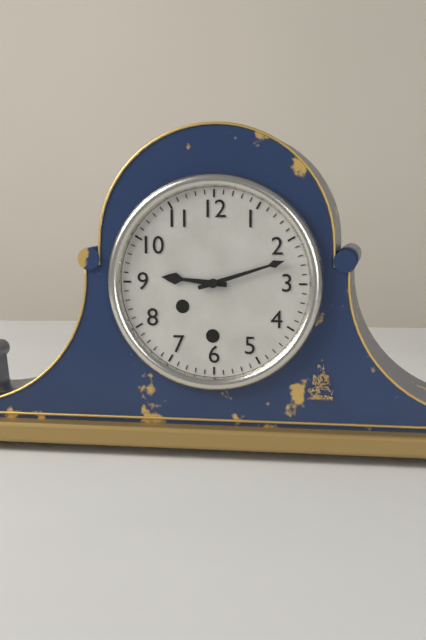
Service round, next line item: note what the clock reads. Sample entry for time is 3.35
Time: 9.12
